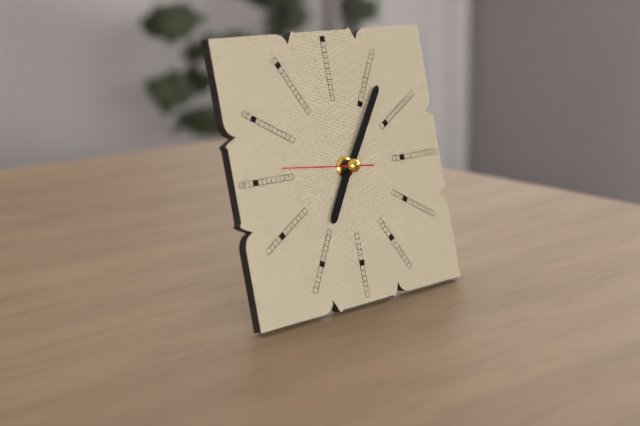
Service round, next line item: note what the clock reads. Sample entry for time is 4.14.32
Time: 7.06.46
